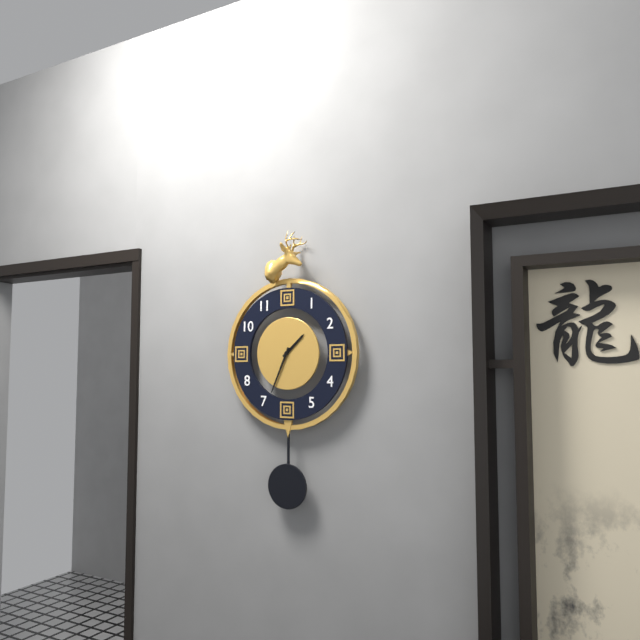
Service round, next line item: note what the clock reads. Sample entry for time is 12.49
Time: 1.34
